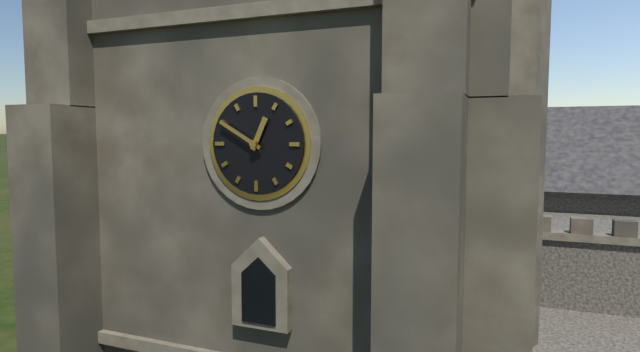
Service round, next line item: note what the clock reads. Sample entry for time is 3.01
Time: 12.50
